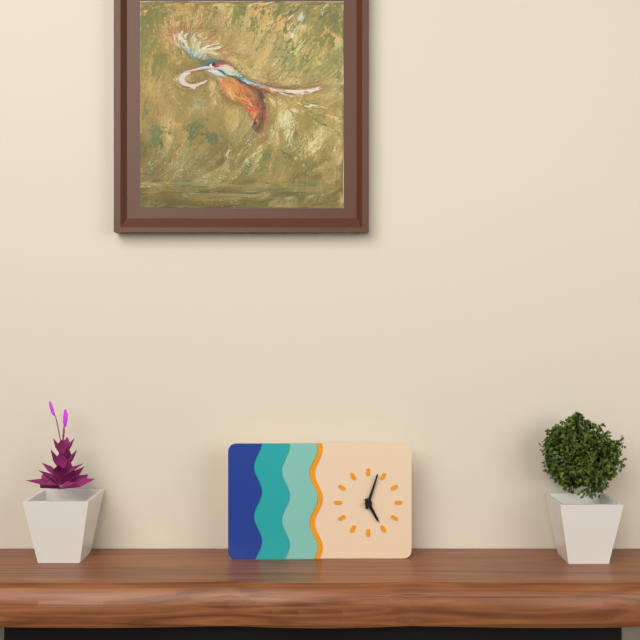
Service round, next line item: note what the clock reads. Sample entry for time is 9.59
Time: 5.03
